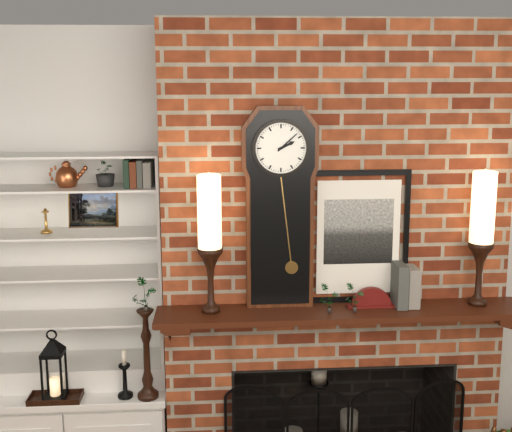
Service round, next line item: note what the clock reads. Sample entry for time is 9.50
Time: 2.08
